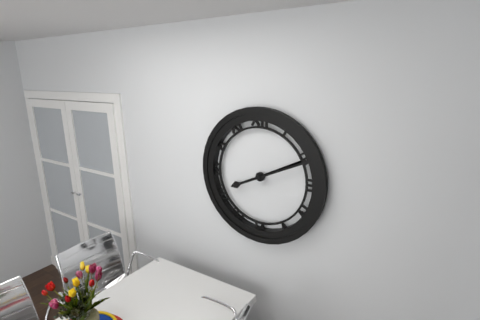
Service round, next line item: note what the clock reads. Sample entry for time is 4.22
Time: 8.11
